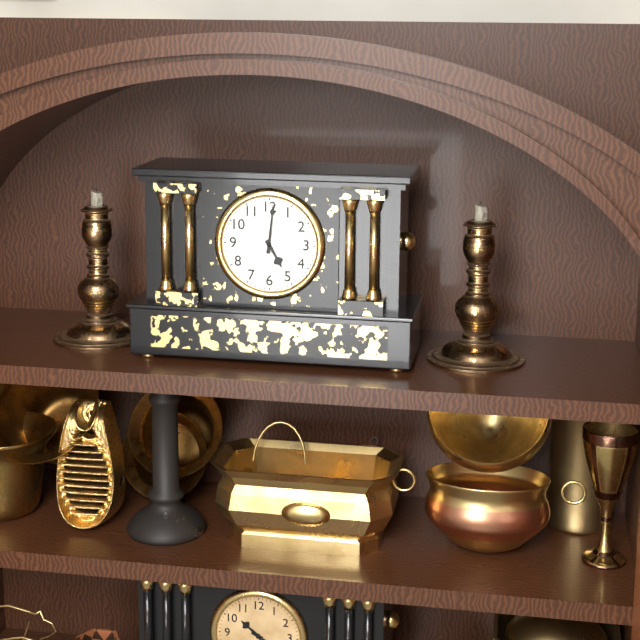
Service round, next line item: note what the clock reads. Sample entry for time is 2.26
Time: 5.01
